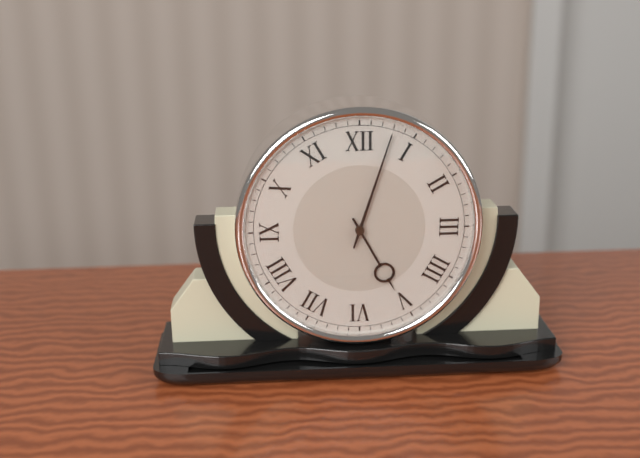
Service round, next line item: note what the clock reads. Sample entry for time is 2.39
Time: 5.03
